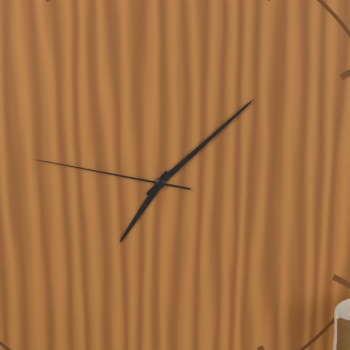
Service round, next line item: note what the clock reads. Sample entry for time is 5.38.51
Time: 7.08.47
